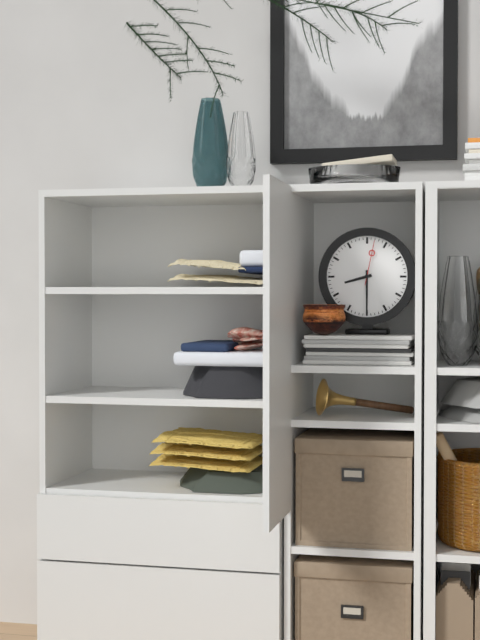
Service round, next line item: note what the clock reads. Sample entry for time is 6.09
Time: 8.30
